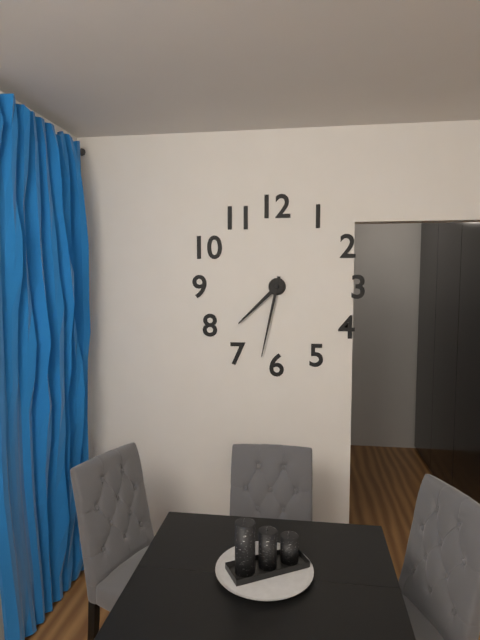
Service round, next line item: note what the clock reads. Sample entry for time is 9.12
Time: 7.32
